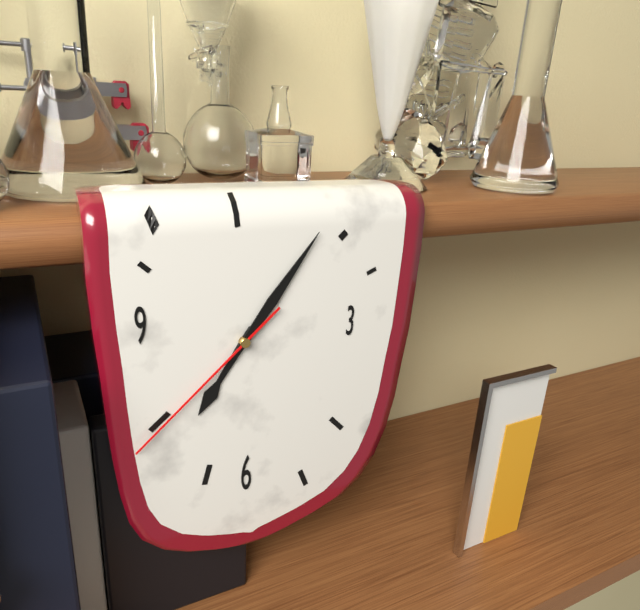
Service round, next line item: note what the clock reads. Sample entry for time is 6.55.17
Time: 7.06.38
